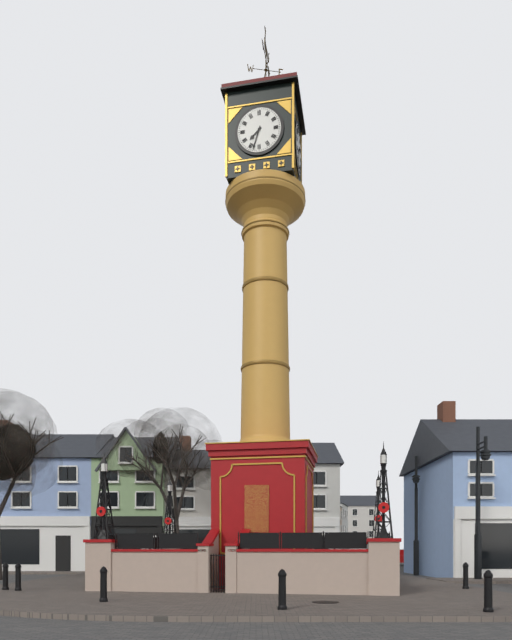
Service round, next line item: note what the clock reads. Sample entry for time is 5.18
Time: 7.33
